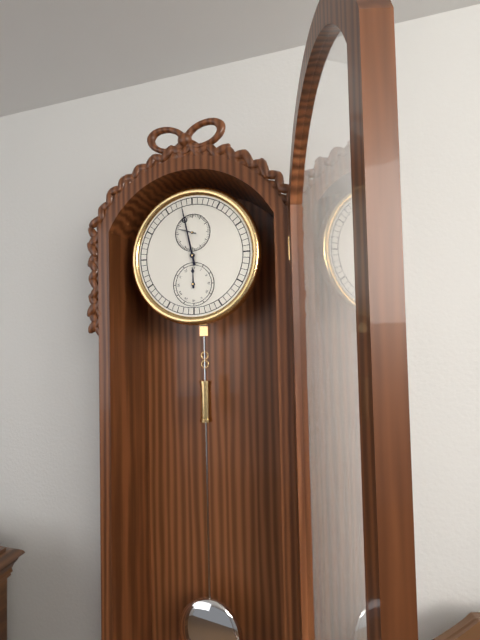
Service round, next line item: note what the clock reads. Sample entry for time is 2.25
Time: 11.58
